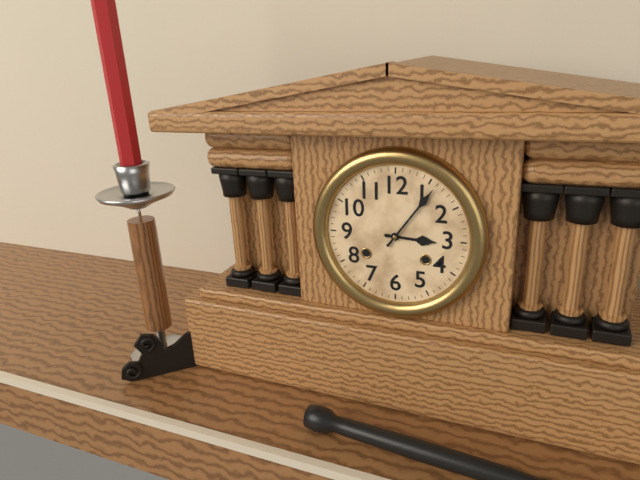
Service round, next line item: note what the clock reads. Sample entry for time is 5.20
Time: 3.06
